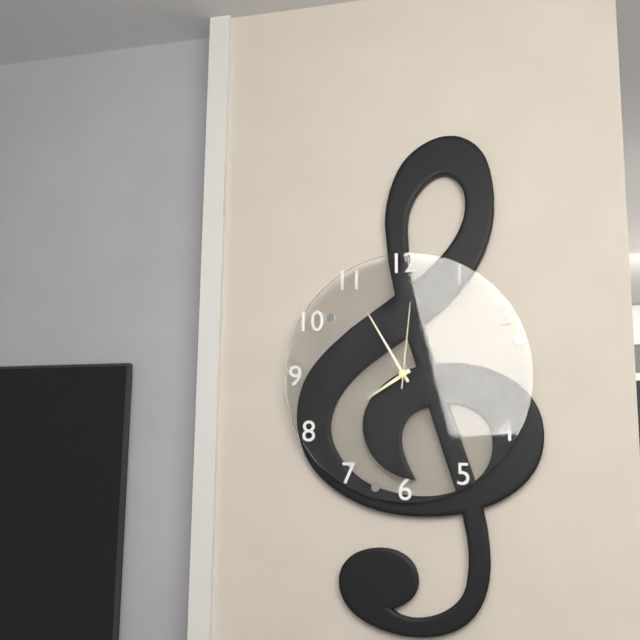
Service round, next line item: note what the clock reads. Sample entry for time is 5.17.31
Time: 7.55.01
